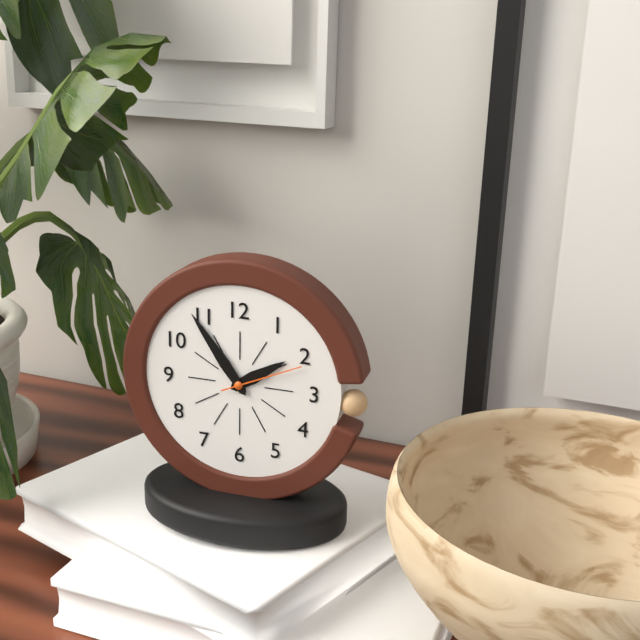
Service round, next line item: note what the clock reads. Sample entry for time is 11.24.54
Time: 1.54.11
